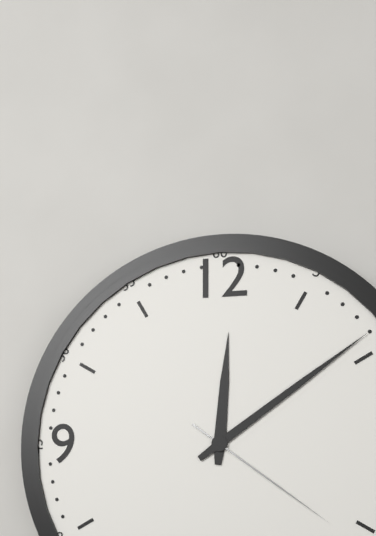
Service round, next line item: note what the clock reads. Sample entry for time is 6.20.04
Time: 12.09.21
